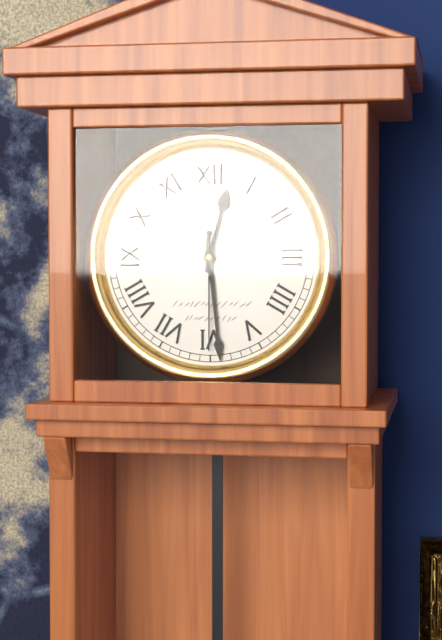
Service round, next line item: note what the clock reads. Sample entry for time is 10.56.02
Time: 12.29.30
